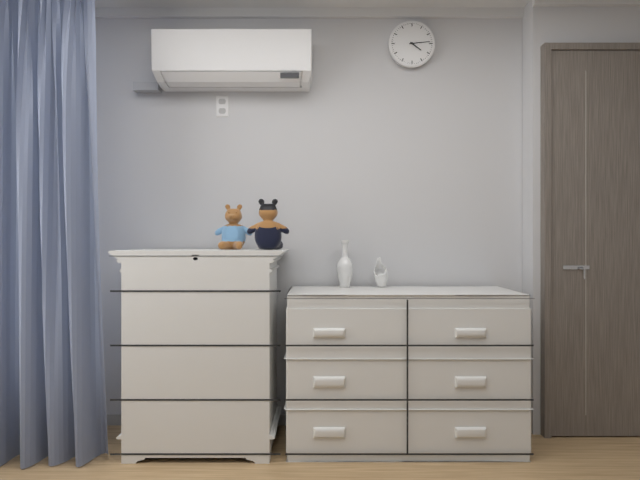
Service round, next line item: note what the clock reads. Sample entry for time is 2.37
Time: 4.14
